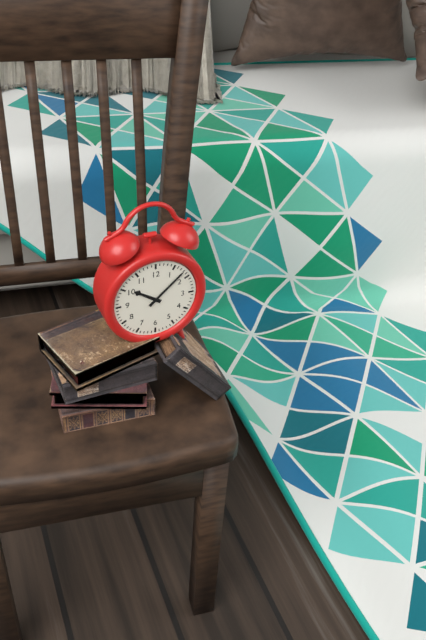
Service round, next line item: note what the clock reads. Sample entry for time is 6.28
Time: 10.08
